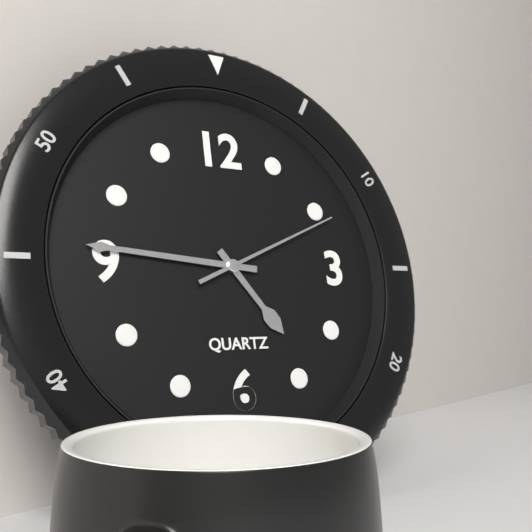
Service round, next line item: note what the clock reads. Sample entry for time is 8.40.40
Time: 4.46.11
